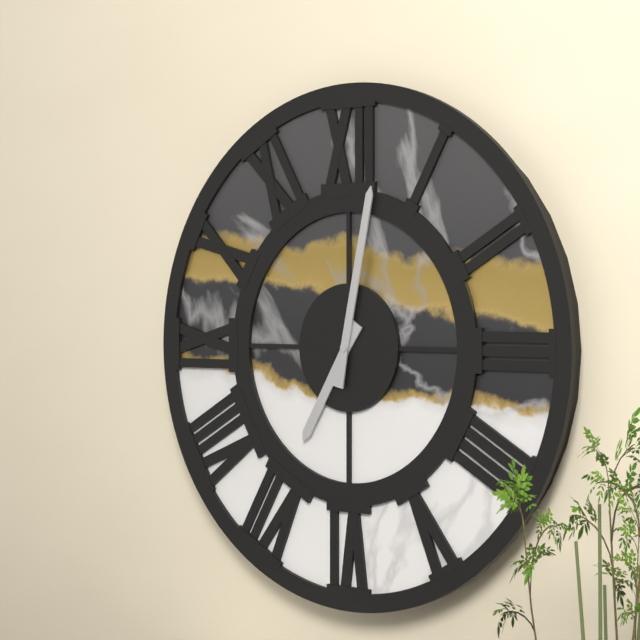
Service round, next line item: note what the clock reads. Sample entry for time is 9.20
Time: 7.02
